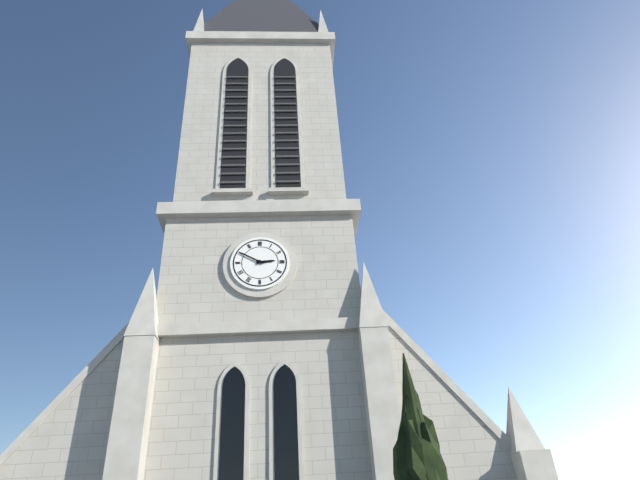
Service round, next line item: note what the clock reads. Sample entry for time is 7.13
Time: 2.50
